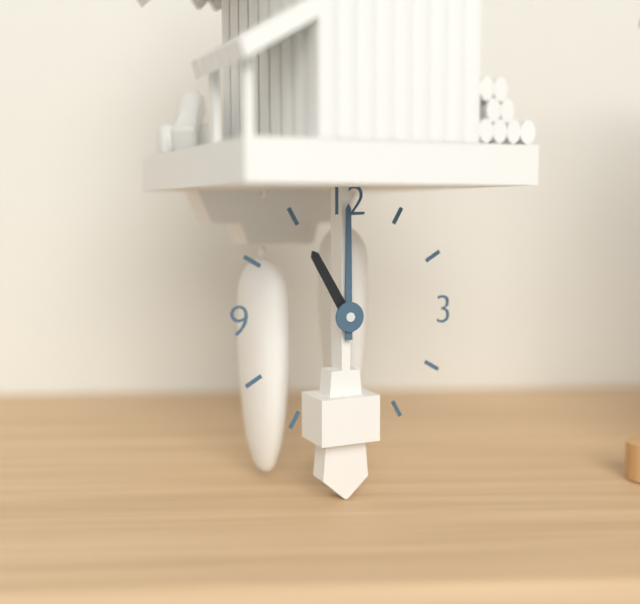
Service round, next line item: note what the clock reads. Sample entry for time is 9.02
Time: 11.00
